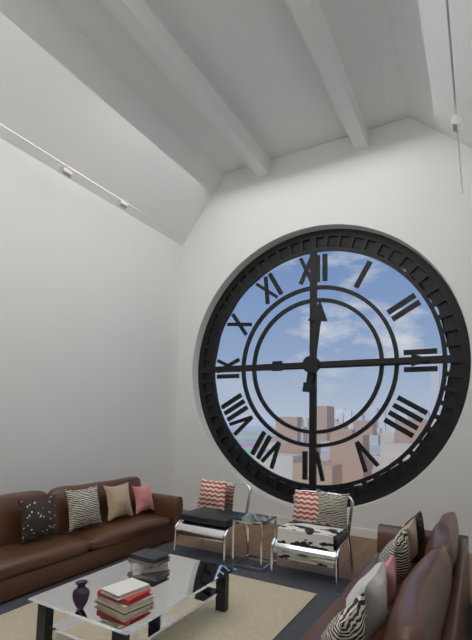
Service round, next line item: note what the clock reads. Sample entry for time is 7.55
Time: 12.15
